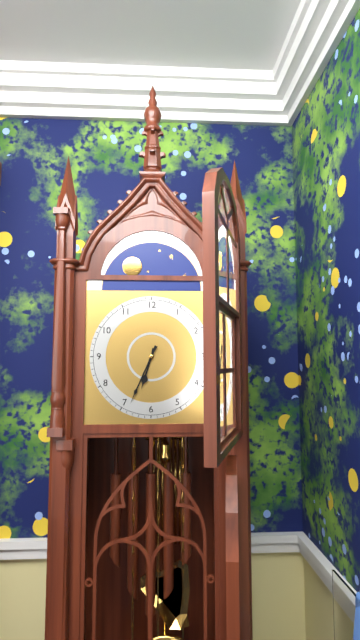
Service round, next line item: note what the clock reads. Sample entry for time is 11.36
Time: 6.34
